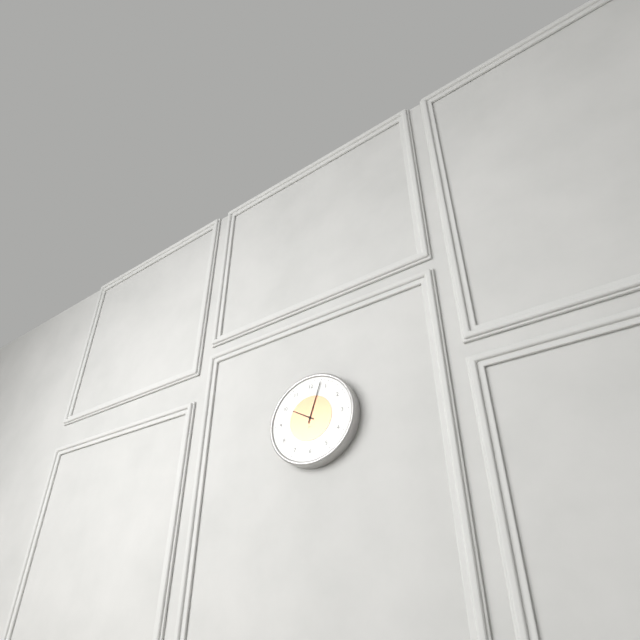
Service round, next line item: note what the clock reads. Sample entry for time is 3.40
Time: 10.03
